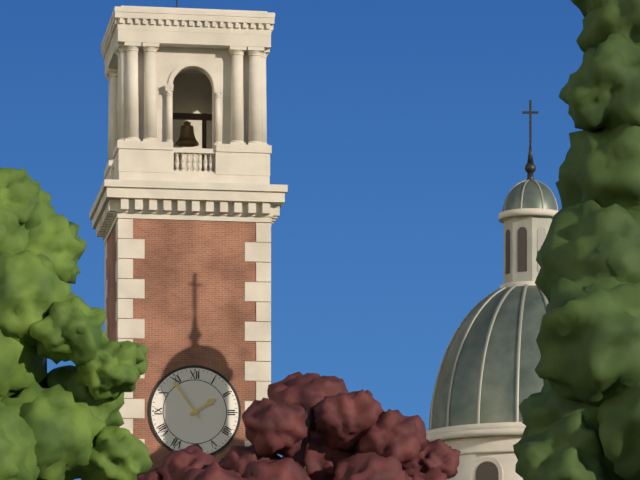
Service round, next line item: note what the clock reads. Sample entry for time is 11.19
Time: 1.54
